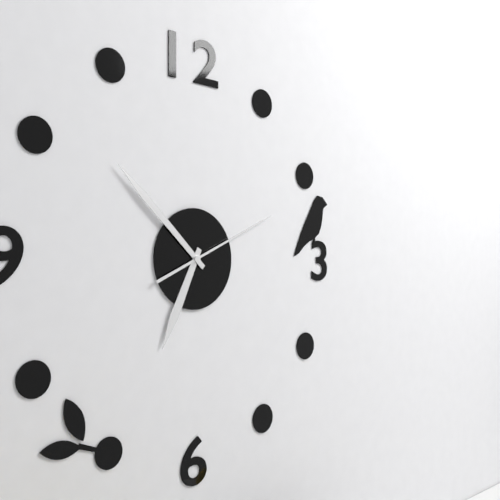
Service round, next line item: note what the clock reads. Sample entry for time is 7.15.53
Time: 6.52.11
